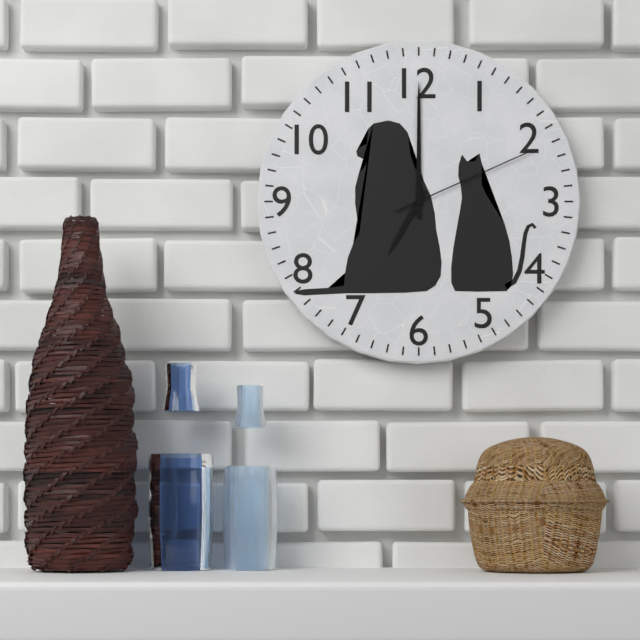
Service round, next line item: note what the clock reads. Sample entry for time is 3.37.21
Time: 7.00.11
